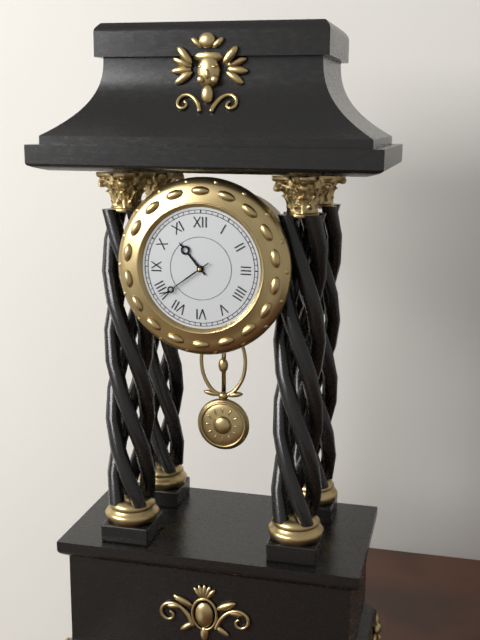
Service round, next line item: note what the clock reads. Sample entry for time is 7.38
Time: 10.39
